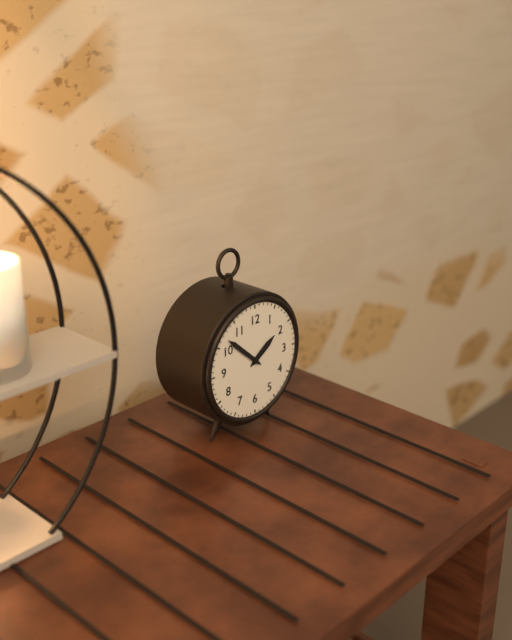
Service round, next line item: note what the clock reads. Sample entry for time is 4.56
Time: 1.52
